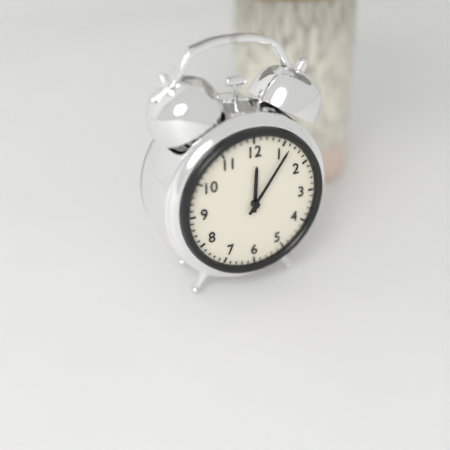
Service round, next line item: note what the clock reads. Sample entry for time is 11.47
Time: 12.06
